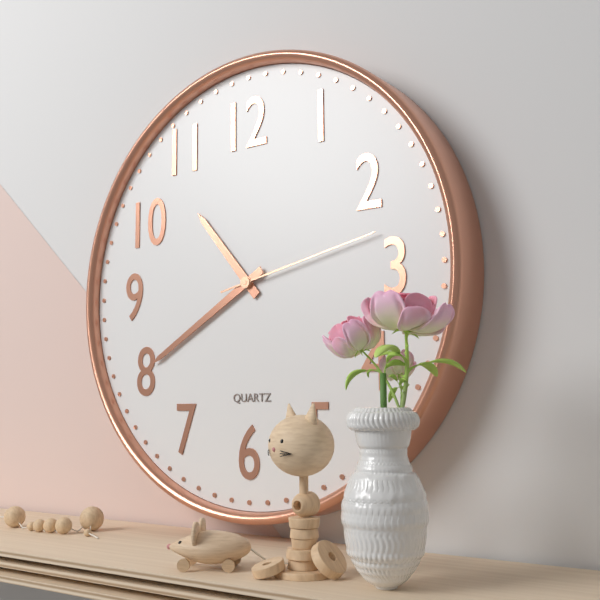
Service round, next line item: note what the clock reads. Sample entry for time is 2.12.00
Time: 10.40.13
